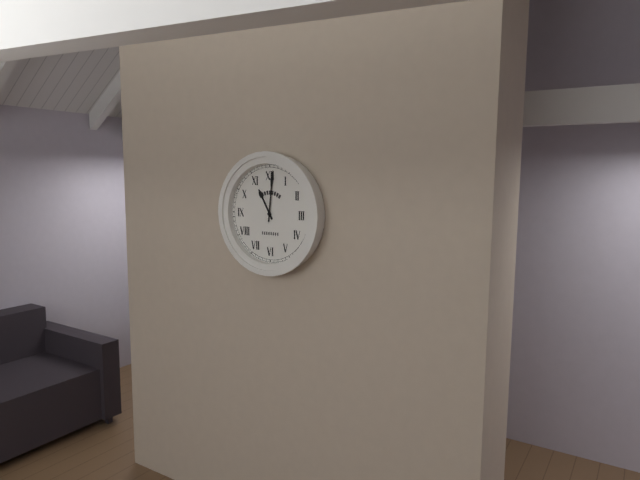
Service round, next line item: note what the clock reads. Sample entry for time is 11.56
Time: 11.01
